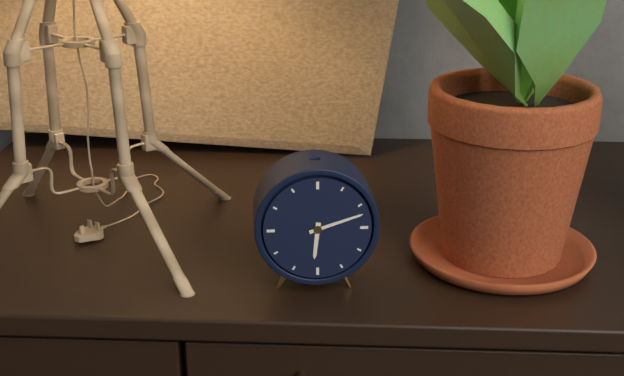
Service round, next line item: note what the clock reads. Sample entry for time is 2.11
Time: 6.12
